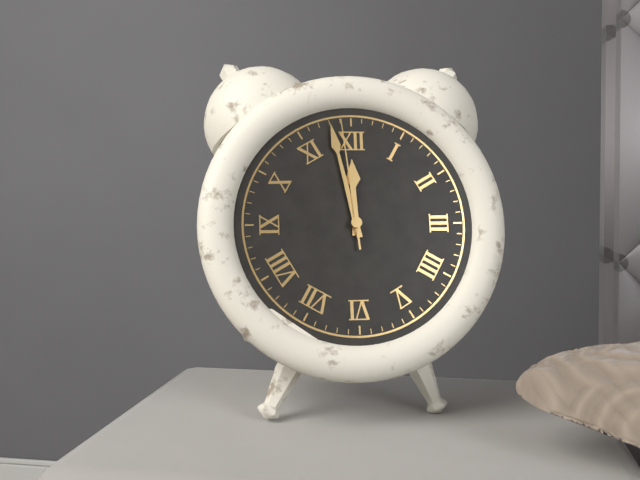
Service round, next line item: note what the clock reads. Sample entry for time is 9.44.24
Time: 11.58.59
